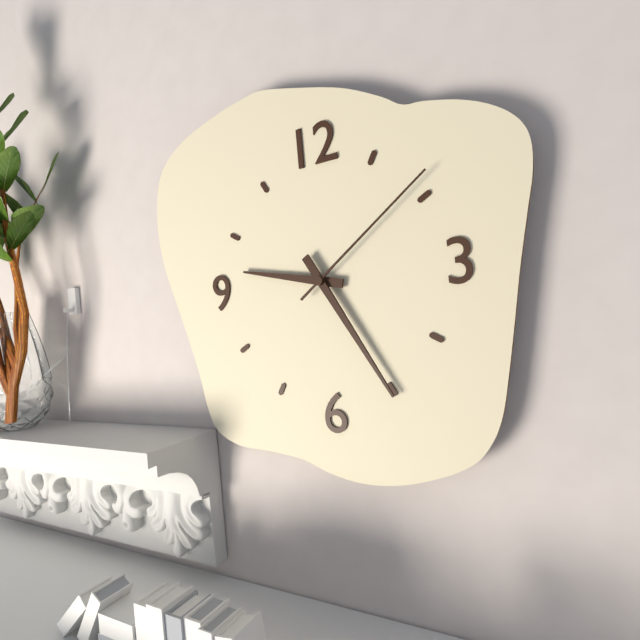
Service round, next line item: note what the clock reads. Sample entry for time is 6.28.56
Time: 9.25.09
